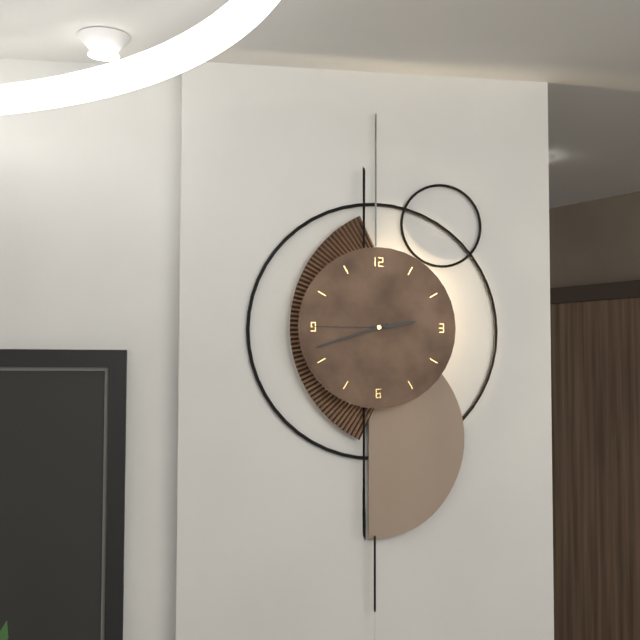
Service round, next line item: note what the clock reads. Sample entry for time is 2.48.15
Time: 2.42.45
